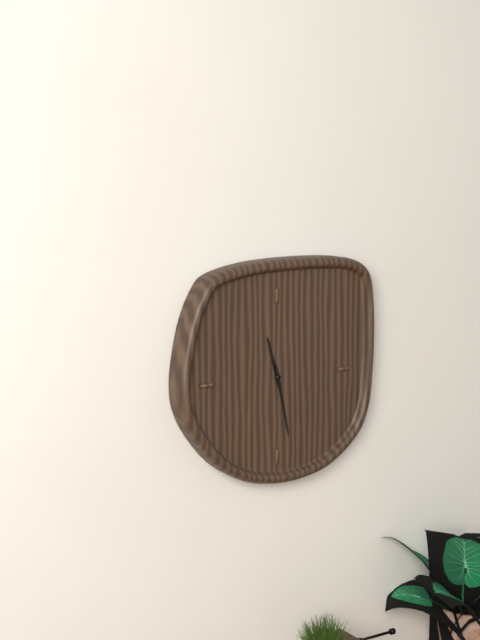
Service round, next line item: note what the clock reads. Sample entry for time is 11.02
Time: 11.28
